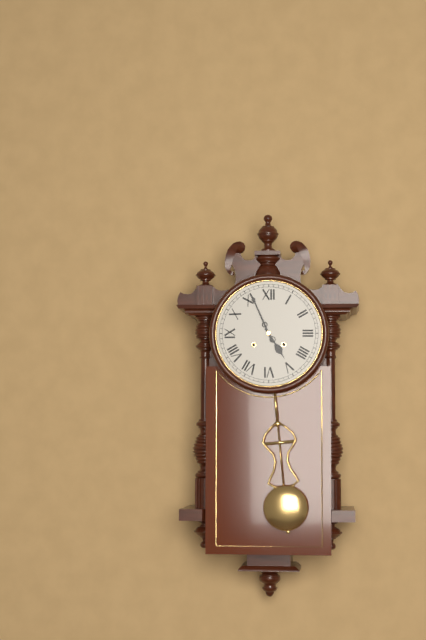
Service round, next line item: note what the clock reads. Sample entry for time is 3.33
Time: 4.56
